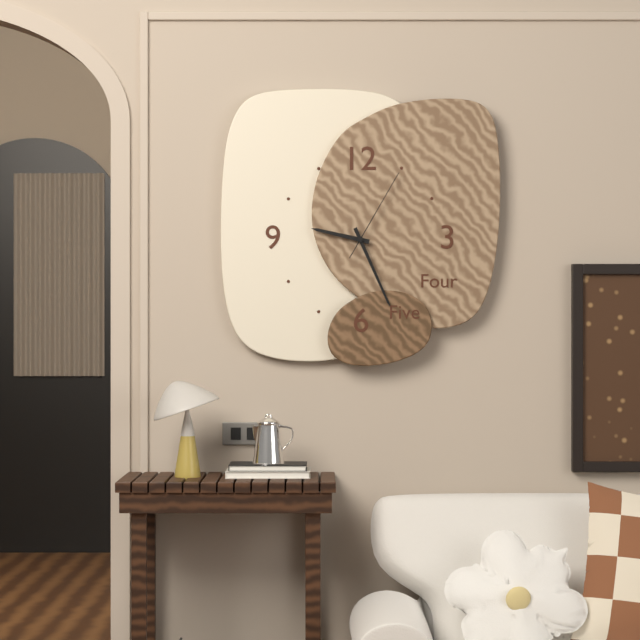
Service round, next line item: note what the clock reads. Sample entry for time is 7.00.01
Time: 9.26.05
